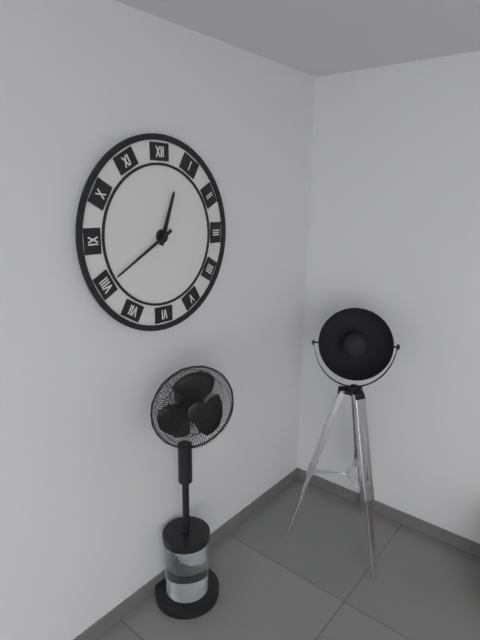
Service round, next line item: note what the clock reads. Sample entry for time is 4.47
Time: 12.40
